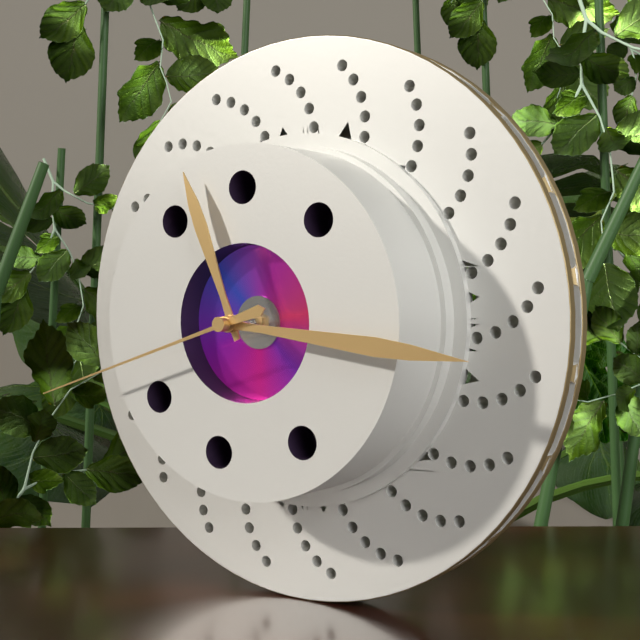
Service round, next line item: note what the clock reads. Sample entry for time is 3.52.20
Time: 11.16.42
